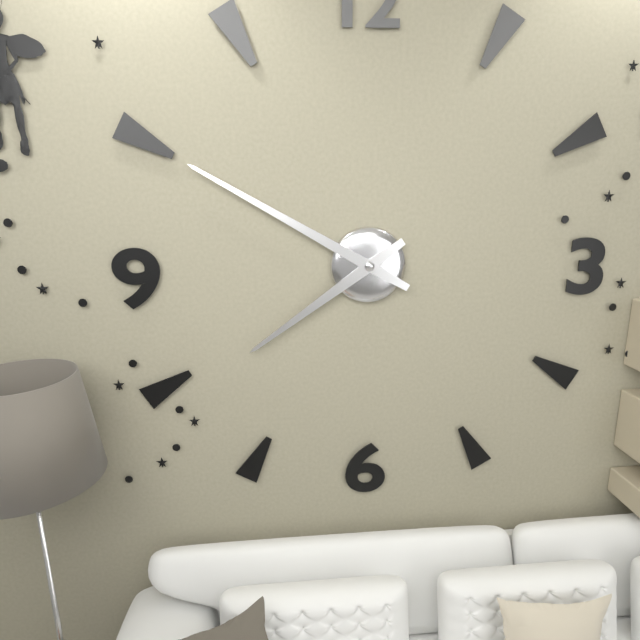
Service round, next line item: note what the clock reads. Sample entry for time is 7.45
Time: 7.50
